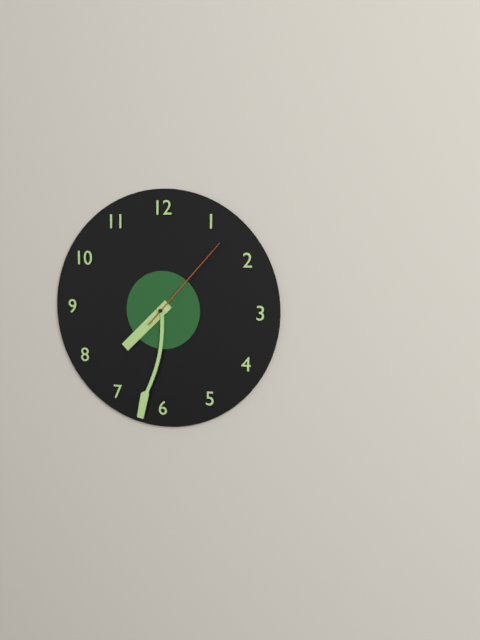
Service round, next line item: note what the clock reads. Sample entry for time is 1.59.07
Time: 7.32.07
